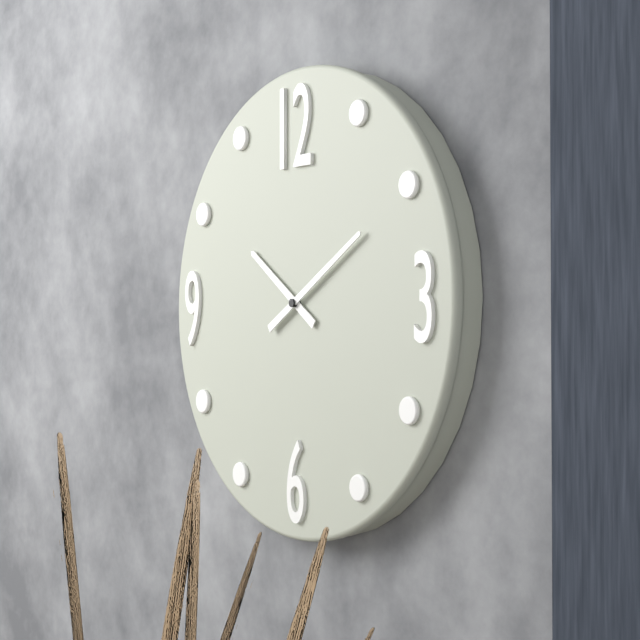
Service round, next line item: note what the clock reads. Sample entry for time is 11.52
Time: 10.10
